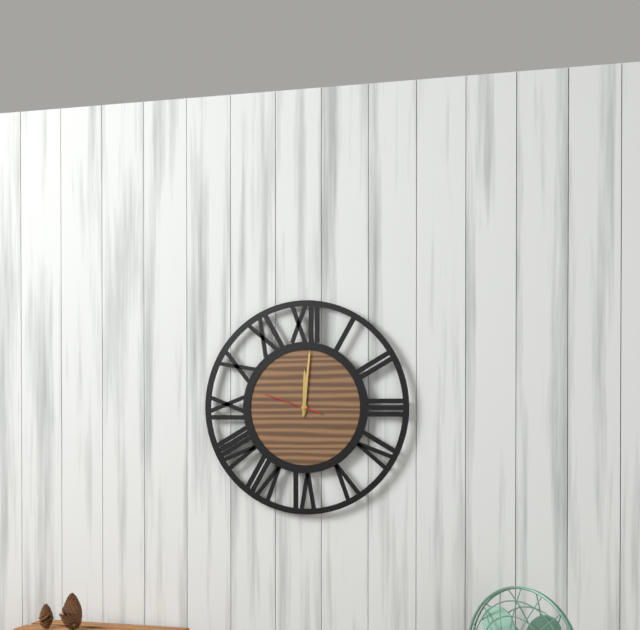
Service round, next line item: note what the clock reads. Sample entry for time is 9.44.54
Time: 12.01.48
